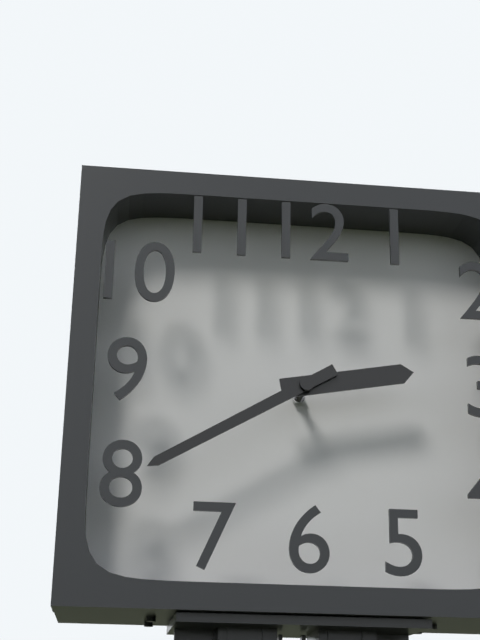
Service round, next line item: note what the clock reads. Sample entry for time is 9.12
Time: 2.40
